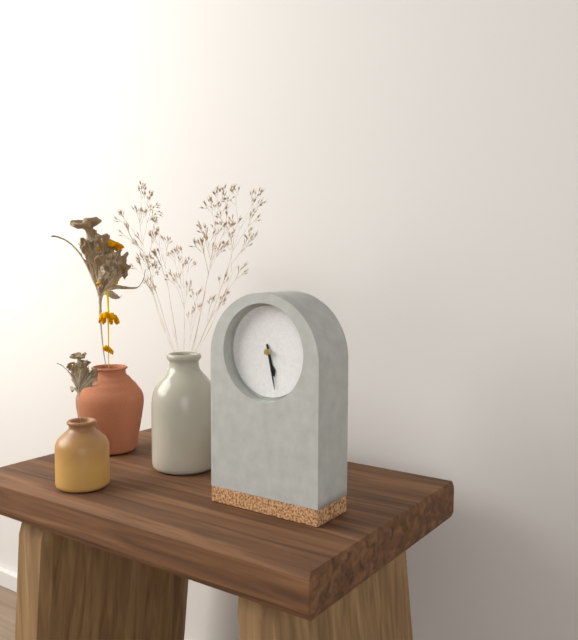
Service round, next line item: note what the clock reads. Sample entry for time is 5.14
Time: 5.28
